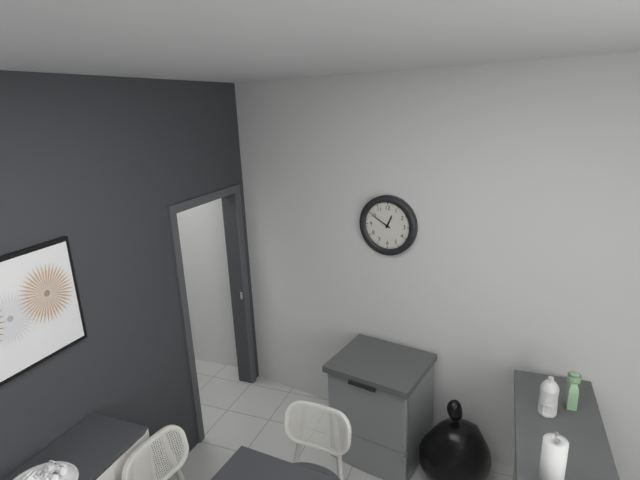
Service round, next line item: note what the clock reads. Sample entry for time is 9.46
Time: 12.50
